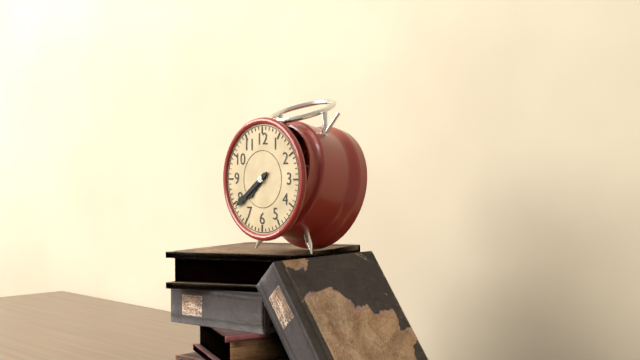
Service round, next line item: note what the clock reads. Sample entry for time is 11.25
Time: 7.39
